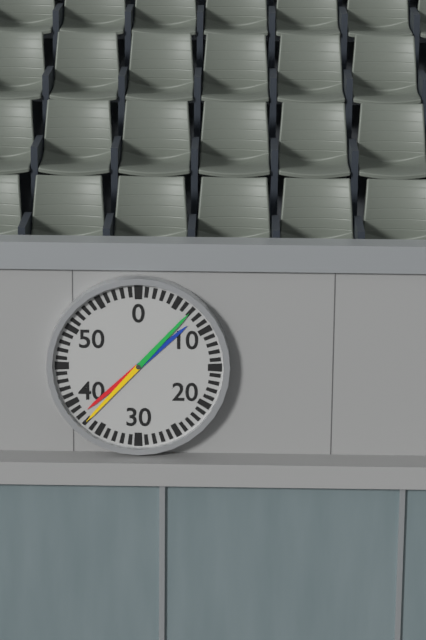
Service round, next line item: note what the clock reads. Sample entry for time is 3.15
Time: 7.37
